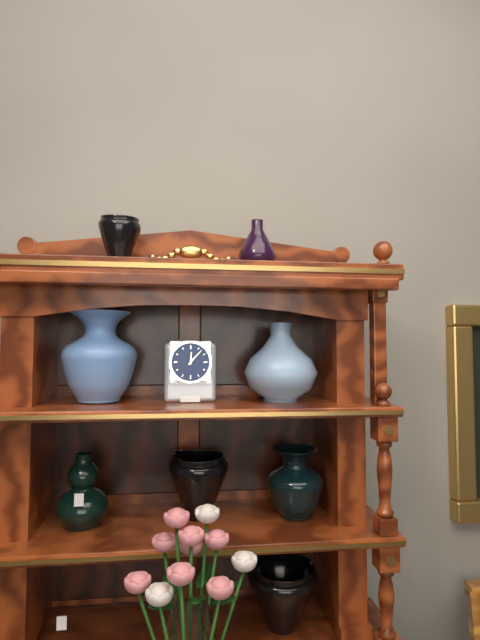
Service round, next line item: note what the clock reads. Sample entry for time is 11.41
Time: 12.07
